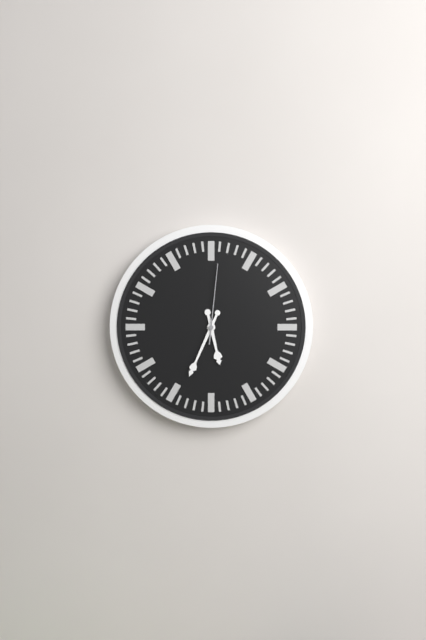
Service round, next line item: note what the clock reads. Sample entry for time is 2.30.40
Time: 5.34.01
